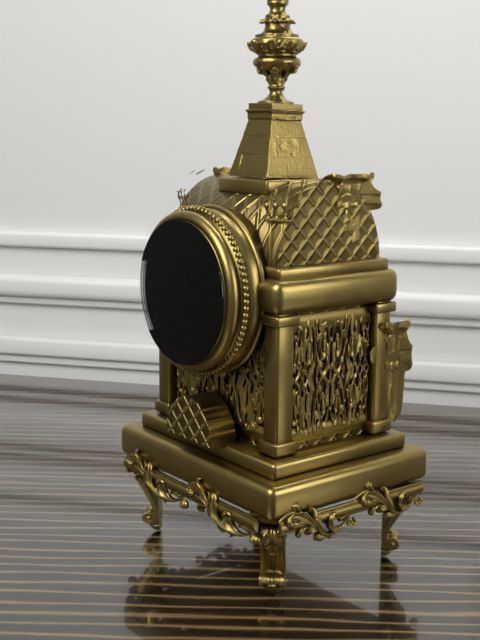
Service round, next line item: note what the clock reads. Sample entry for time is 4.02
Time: 7.04
